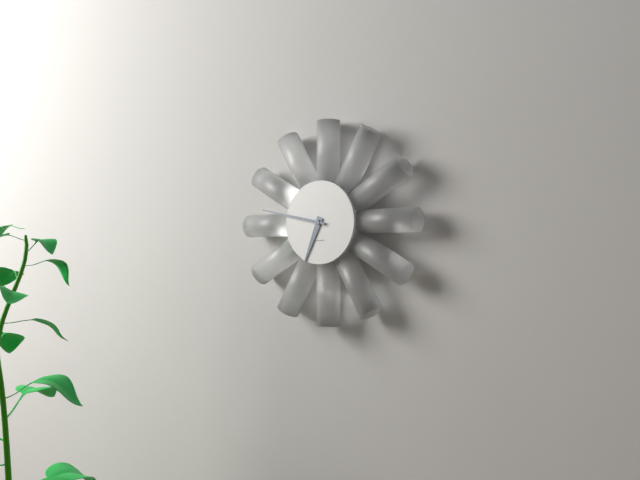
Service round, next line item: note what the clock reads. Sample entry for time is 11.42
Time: 6.47
